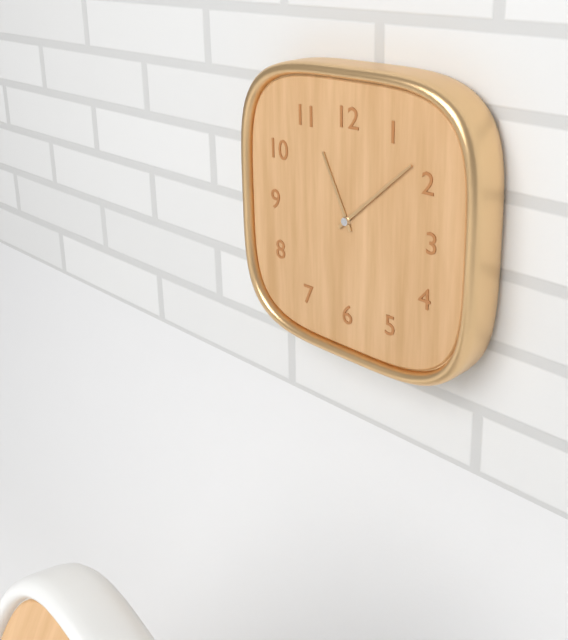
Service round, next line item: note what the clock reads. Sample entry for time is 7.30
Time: 11.08
